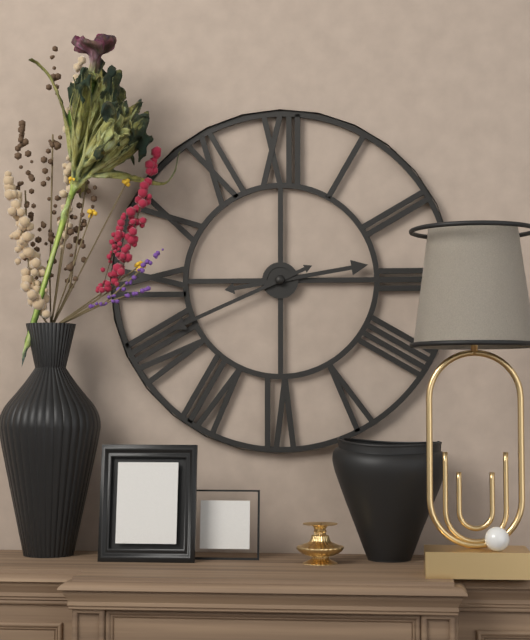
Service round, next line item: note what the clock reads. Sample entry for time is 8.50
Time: 2.41
